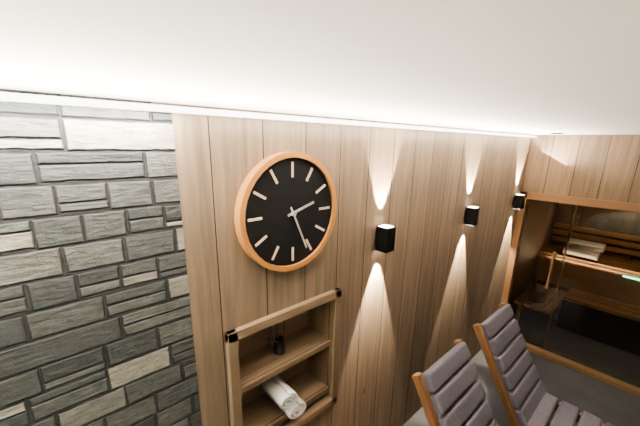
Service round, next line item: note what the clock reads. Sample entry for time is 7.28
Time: 2.26
